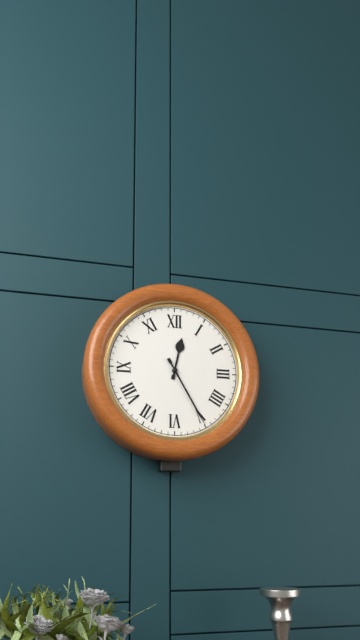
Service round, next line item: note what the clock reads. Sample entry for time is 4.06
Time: 12.25
